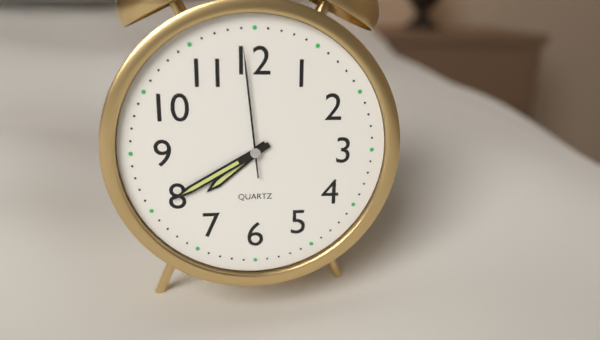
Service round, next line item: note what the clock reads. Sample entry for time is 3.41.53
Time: 7.40.59
